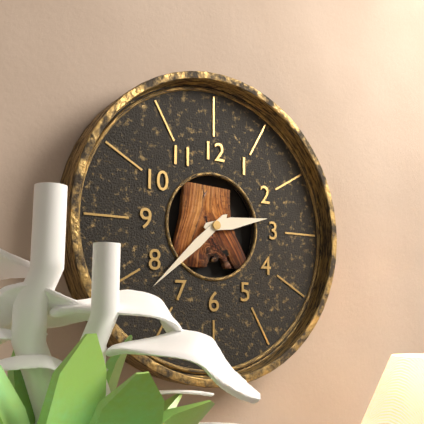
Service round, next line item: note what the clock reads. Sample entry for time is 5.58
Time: 2.38
